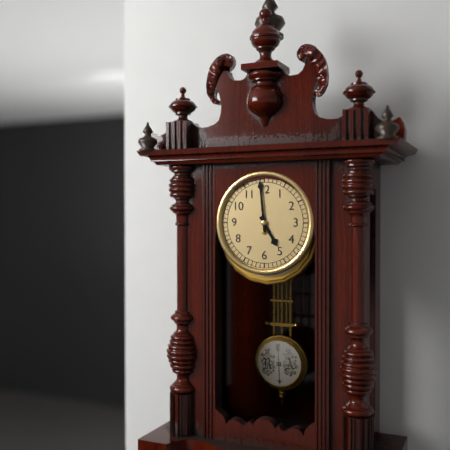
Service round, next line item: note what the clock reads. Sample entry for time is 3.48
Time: 4.59
